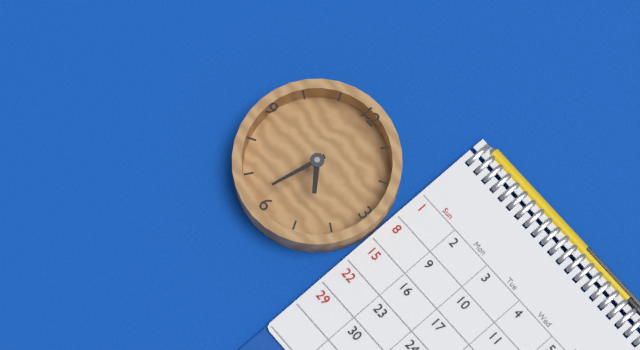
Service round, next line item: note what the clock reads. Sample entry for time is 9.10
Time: 4.32
